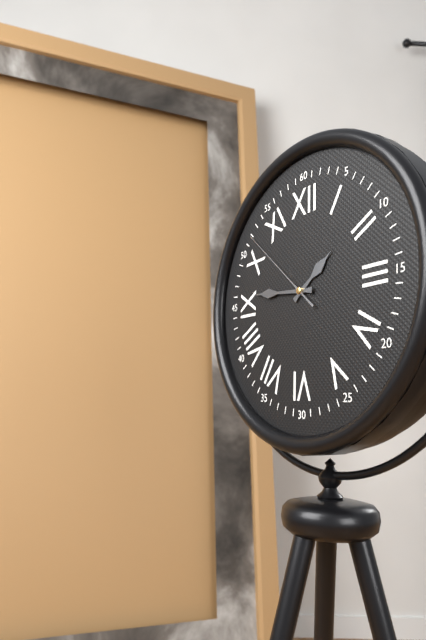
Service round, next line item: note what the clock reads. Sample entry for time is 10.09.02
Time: 1.46.52
